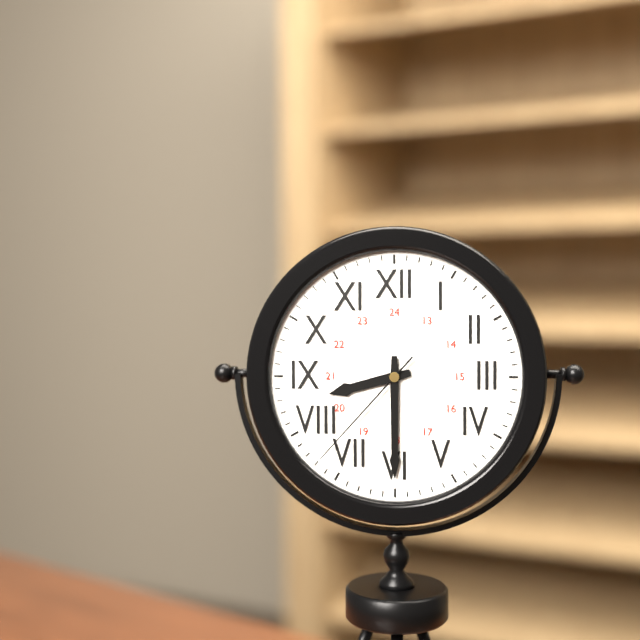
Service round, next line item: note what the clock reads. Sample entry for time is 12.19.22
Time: 8.30.37
